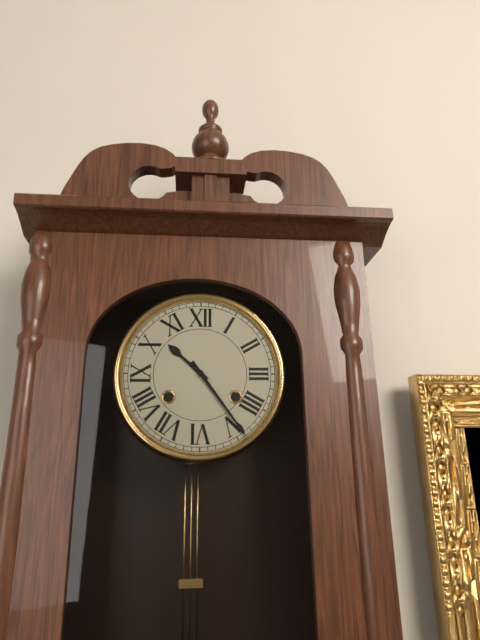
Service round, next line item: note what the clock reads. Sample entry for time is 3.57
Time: 10.24
